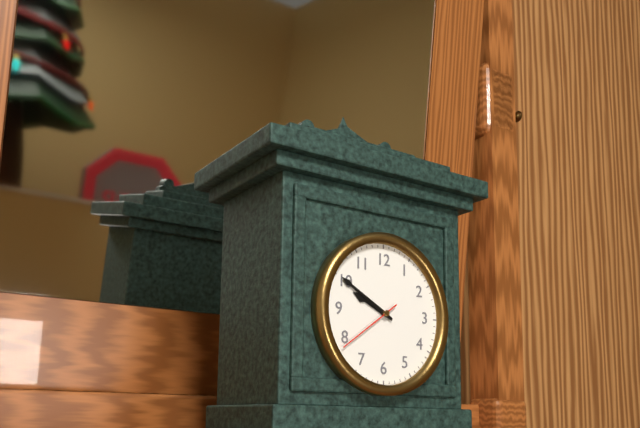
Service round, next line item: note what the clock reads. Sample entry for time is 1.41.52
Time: 9.50.39
